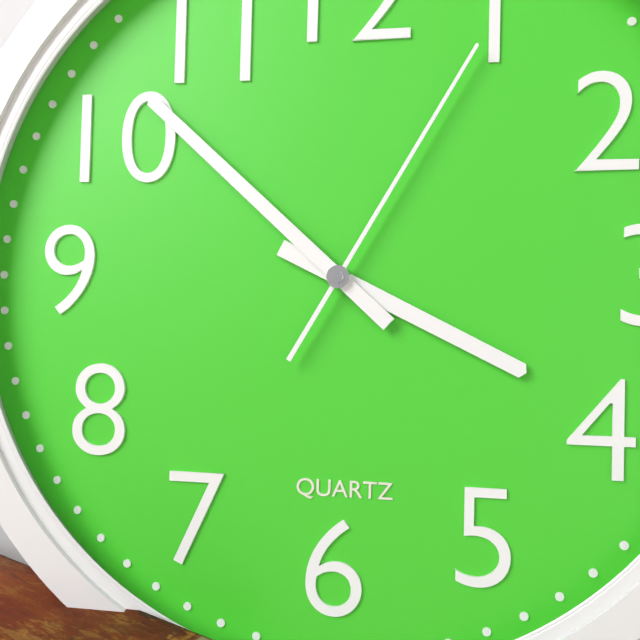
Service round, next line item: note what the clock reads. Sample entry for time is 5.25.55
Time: 3.52.05
